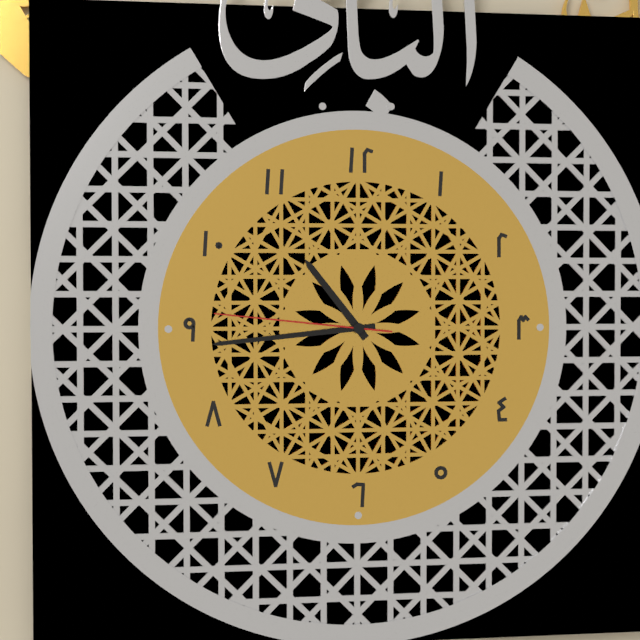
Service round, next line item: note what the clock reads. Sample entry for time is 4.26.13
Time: 10.44.46
